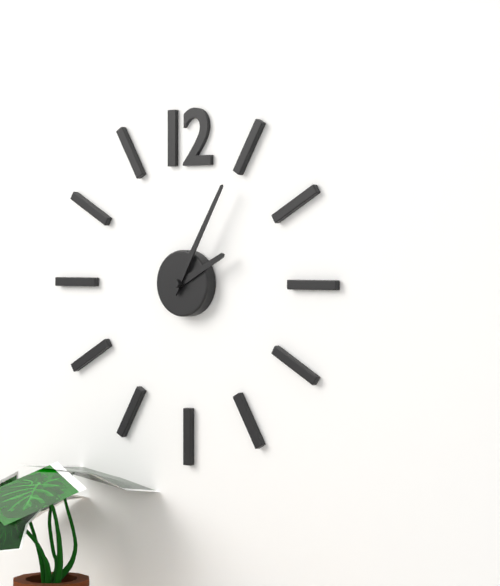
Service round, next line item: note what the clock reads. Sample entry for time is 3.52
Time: 2.05
